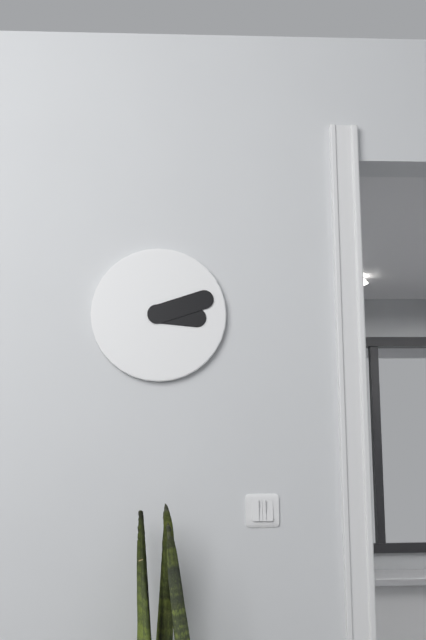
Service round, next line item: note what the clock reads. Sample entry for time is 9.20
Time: 3.12
